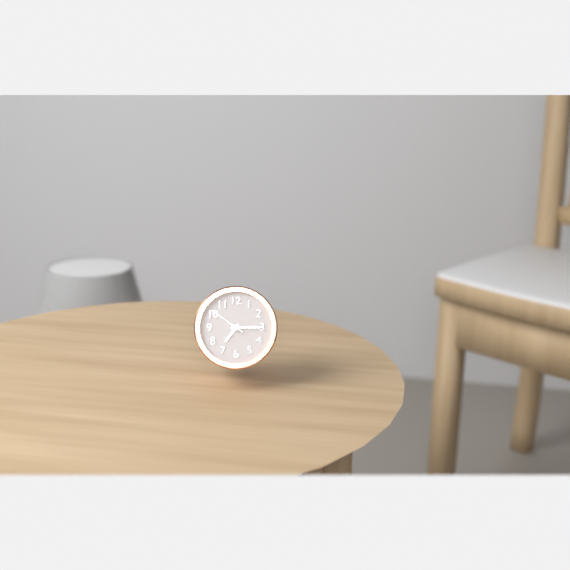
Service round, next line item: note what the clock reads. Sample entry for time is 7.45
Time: 7.15
